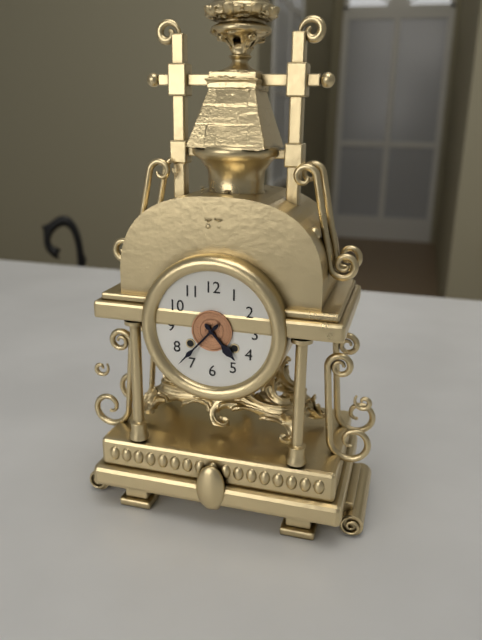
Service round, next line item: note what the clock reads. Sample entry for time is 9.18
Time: 4.37
